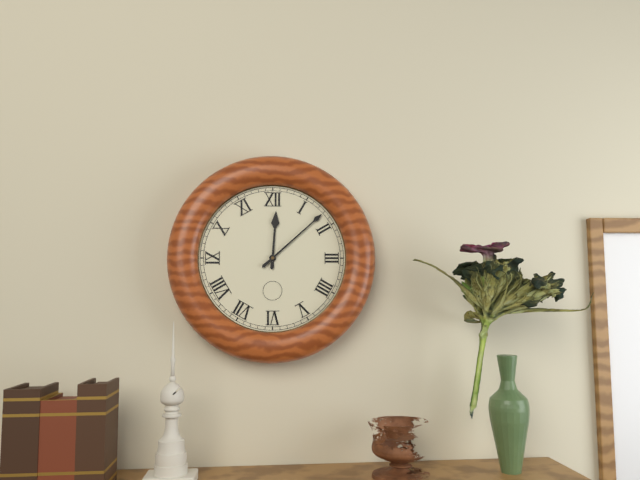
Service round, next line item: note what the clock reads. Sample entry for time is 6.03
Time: 12.08
